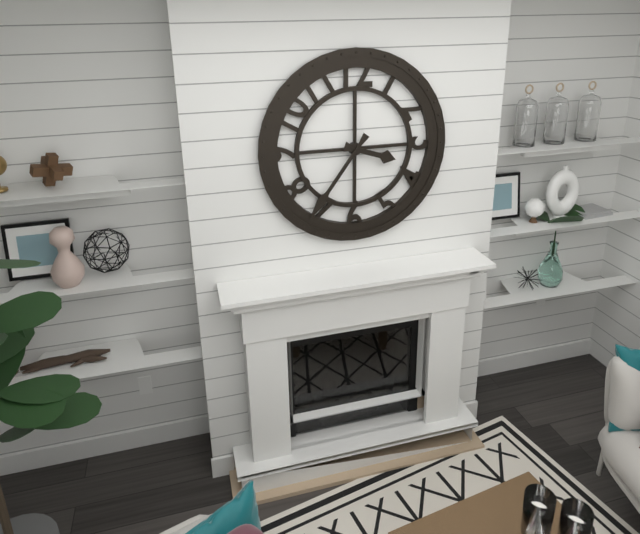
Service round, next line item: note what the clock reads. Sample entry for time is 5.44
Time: 3.36
